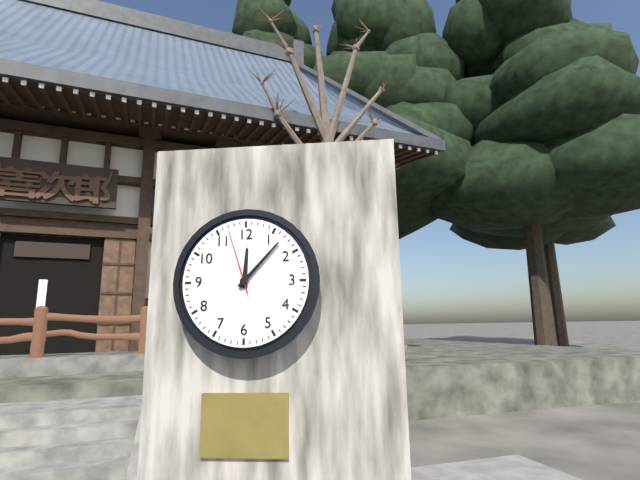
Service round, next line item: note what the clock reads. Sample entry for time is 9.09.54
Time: 12.07.57
